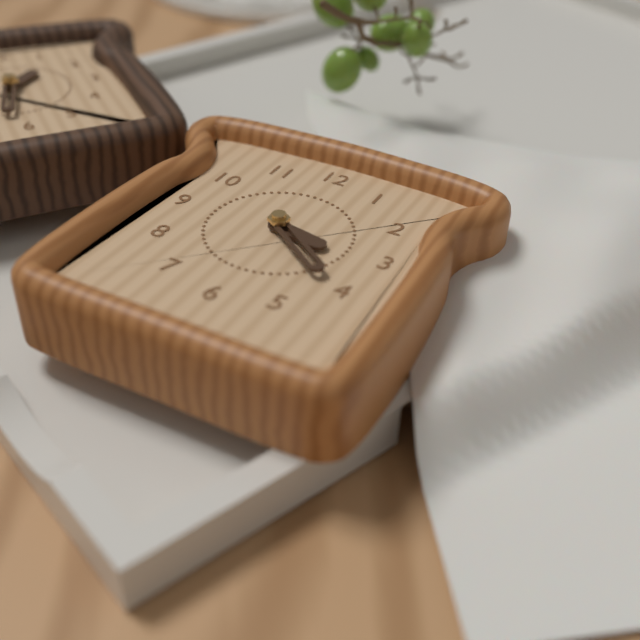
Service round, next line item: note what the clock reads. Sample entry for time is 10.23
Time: 3.21
